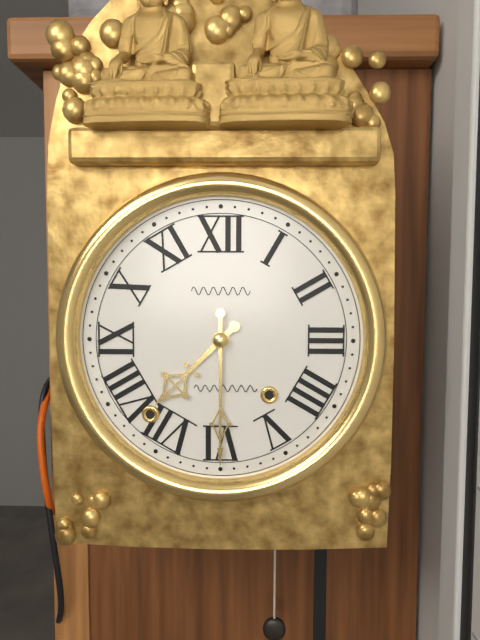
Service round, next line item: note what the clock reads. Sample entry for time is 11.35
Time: 7.30
